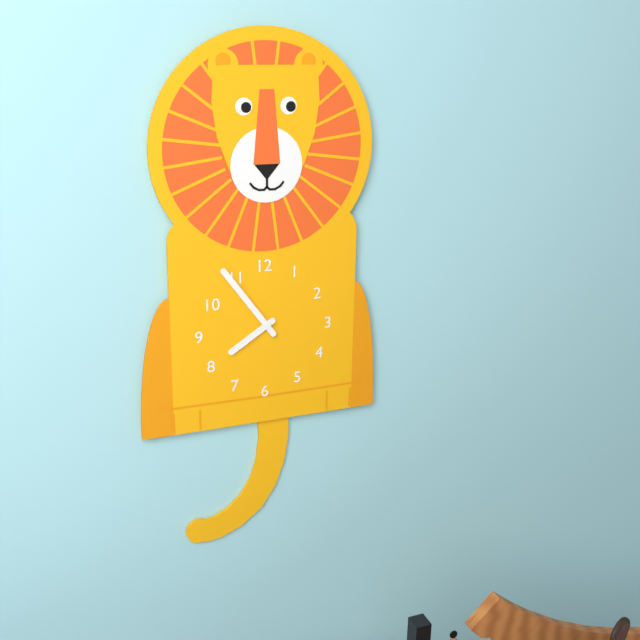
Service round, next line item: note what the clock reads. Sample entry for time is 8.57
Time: 7.54
